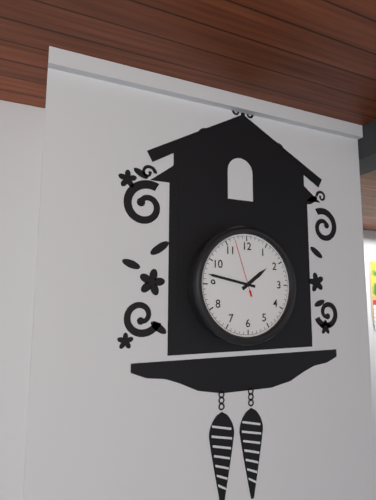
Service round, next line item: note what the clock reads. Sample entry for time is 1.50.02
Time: 1.47.57
